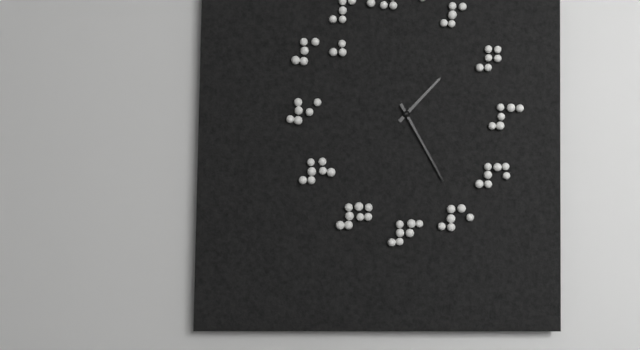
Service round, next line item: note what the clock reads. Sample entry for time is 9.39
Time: 1.25
